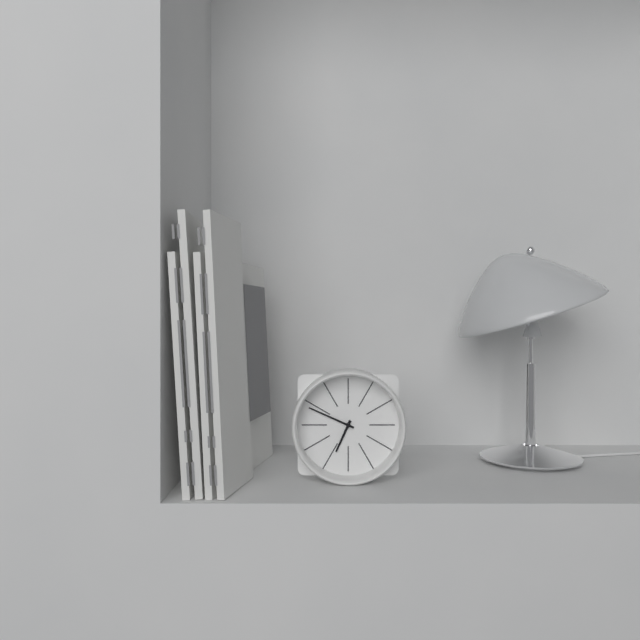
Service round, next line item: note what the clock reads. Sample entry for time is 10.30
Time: 6.49
